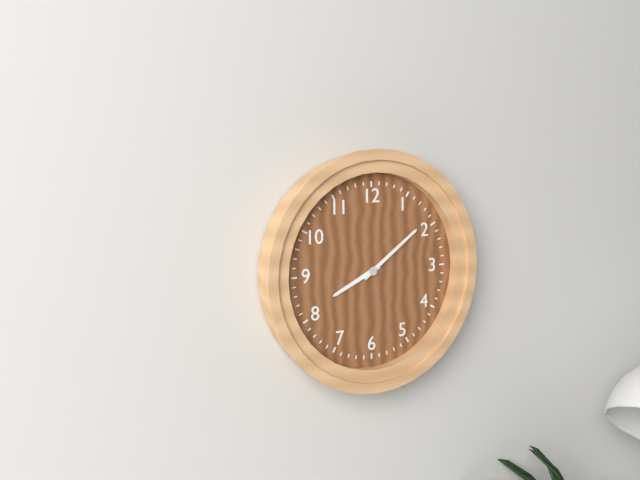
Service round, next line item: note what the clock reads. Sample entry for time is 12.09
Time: 8.09
